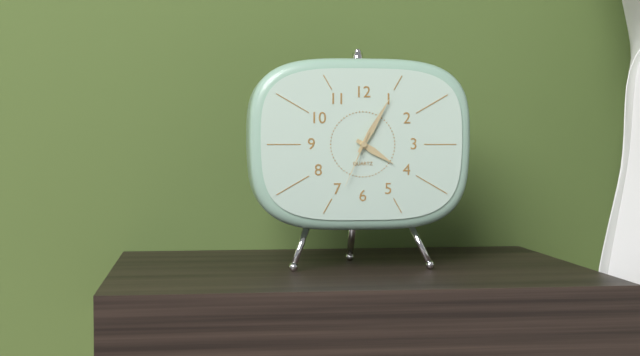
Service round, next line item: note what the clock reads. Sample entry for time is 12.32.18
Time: 4.05.34
